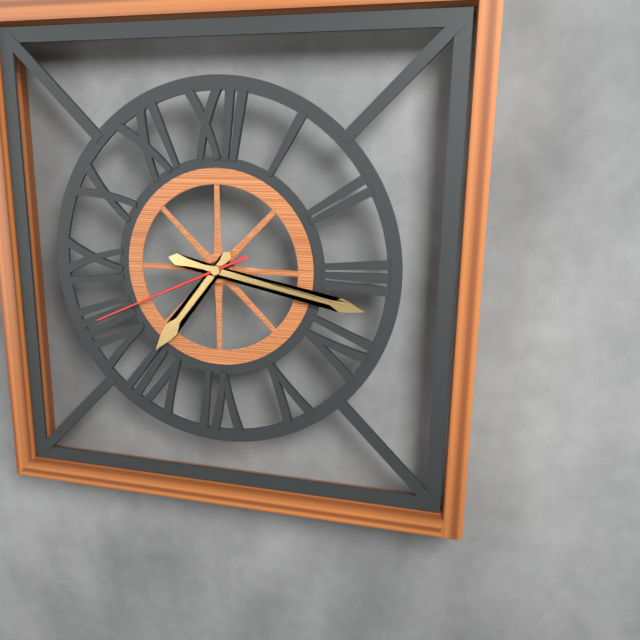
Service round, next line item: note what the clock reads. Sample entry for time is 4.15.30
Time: 7.17.41
